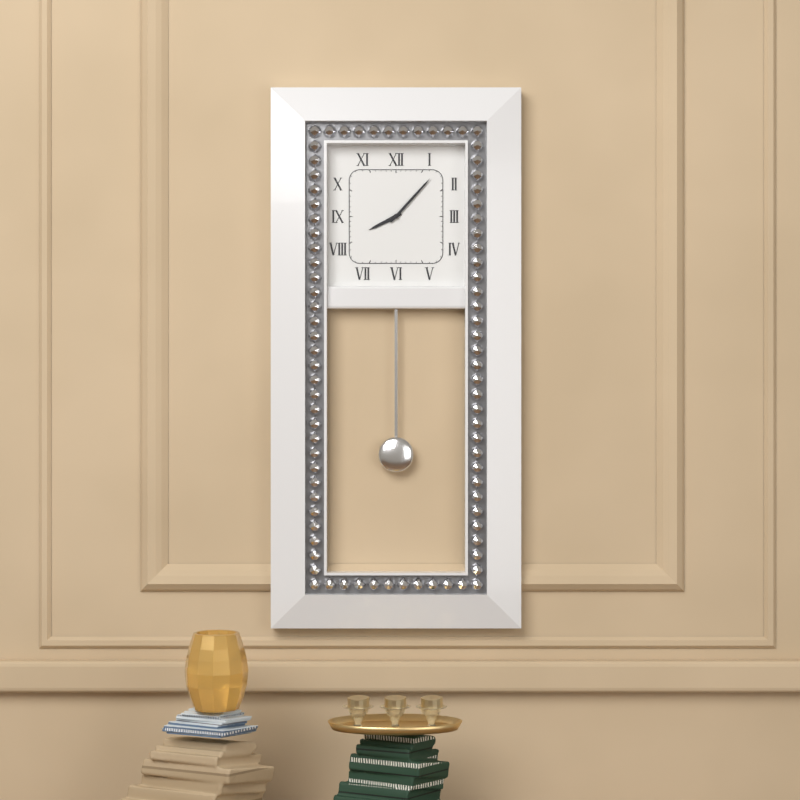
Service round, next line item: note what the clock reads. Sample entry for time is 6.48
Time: 8.07
